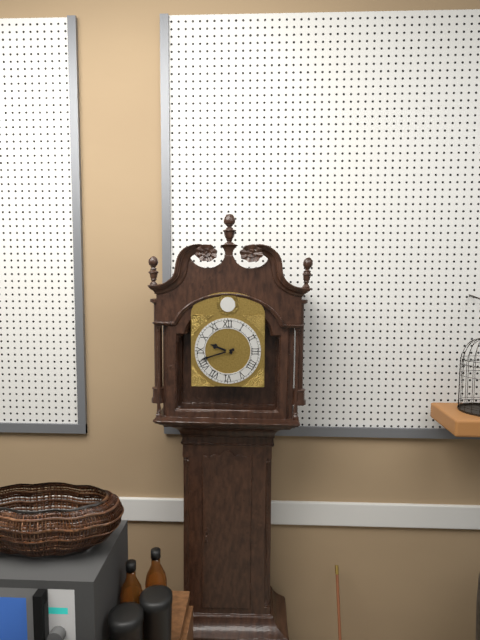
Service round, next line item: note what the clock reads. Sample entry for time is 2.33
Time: 9.42
